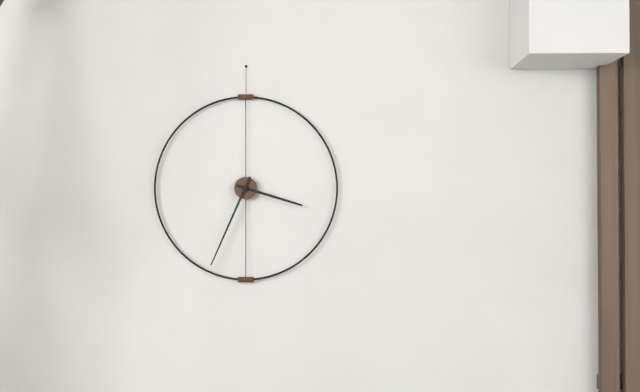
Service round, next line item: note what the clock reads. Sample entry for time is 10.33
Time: 3.34
